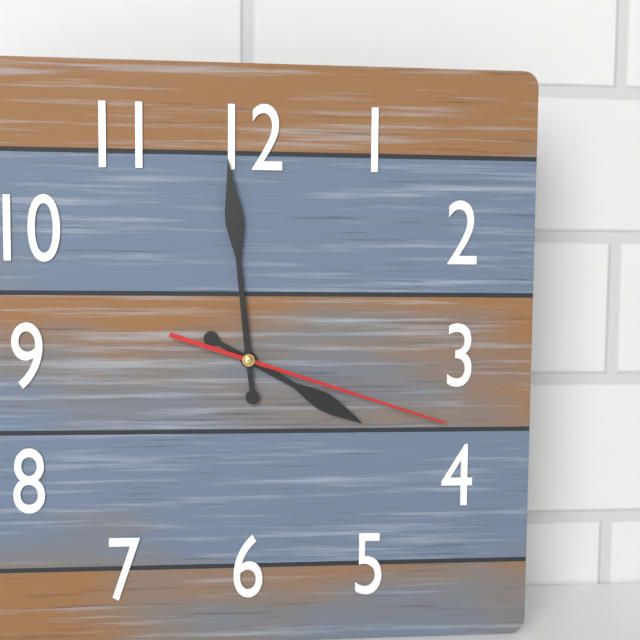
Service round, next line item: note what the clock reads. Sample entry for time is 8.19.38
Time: 3.59.18
